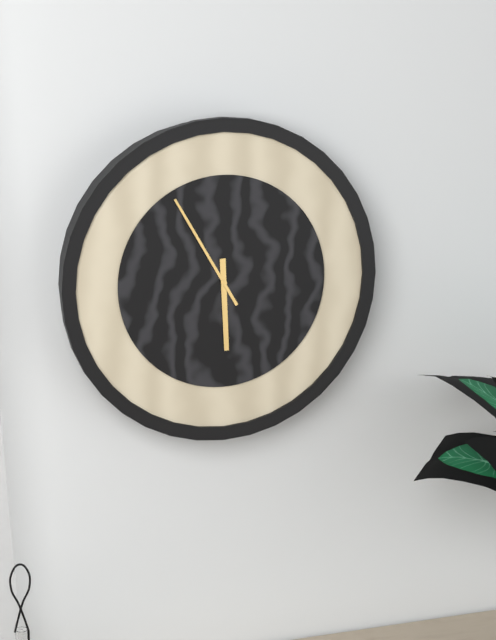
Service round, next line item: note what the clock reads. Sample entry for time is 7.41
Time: 5.55
